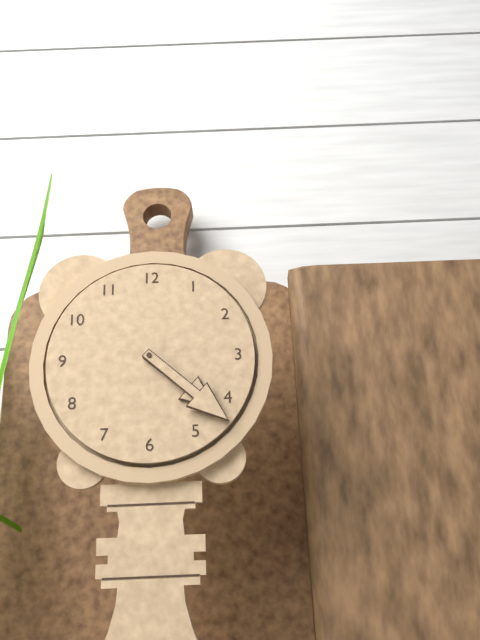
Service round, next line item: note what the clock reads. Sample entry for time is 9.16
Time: 4.22
